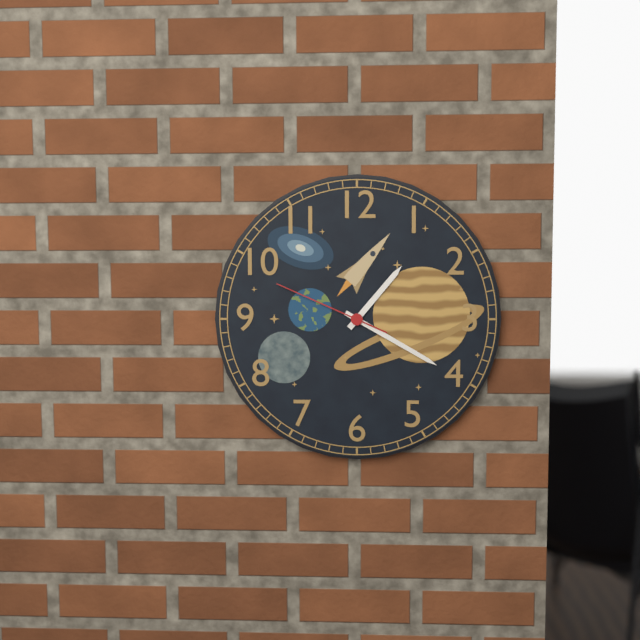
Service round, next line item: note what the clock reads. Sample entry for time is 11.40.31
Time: 1.20.49
